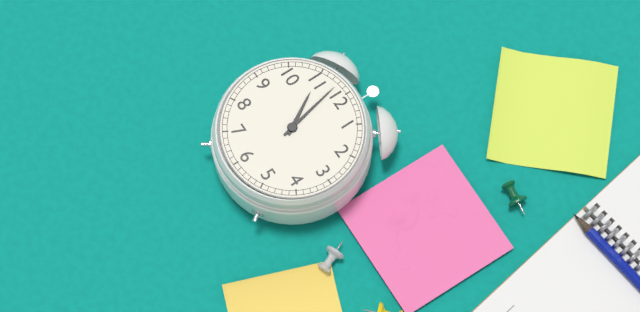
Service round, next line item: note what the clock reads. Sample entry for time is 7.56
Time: 10.58
